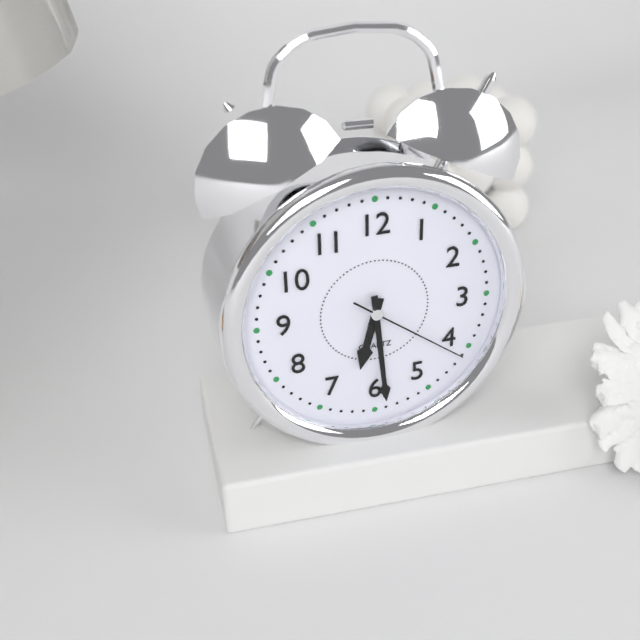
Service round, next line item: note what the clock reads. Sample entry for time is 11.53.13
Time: 6.29.21
